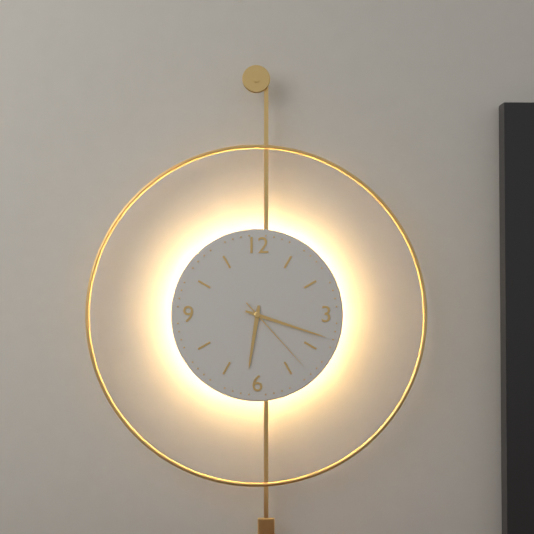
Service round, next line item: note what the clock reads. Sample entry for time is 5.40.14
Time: 6.18.23
